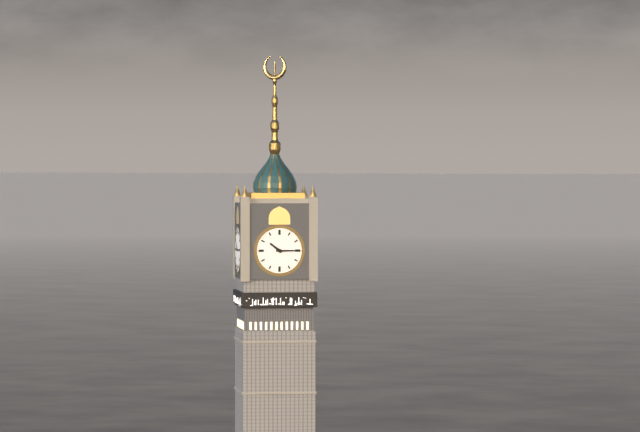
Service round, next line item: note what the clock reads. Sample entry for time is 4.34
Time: 10.15
